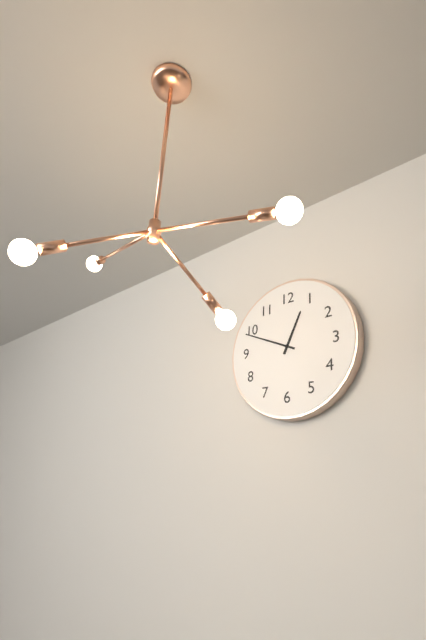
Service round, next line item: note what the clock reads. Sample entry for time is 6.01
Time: 12.49
